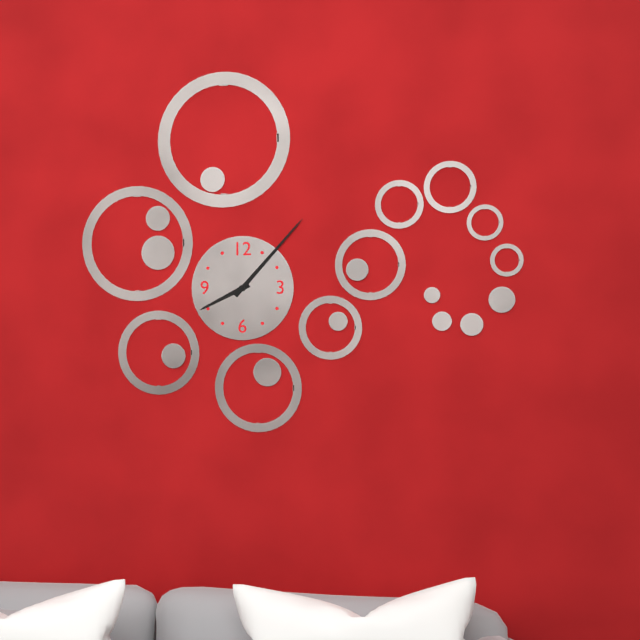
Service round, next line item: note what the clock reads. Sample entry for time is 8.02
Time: 8.07
